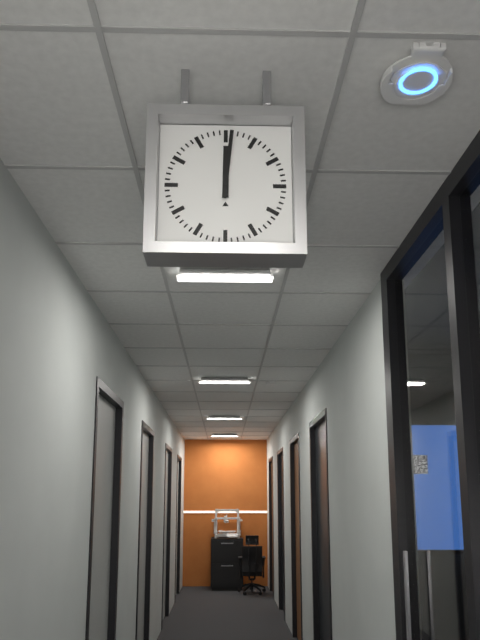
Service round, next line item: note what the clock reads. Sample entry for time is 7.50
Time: 12.01
